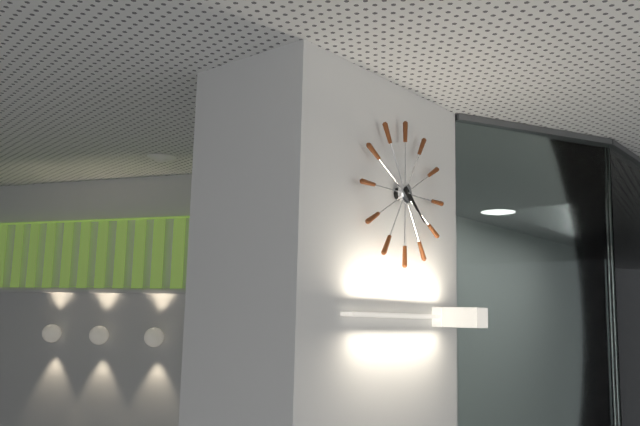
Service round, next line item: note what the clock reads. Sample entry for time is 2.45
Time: 4.22
